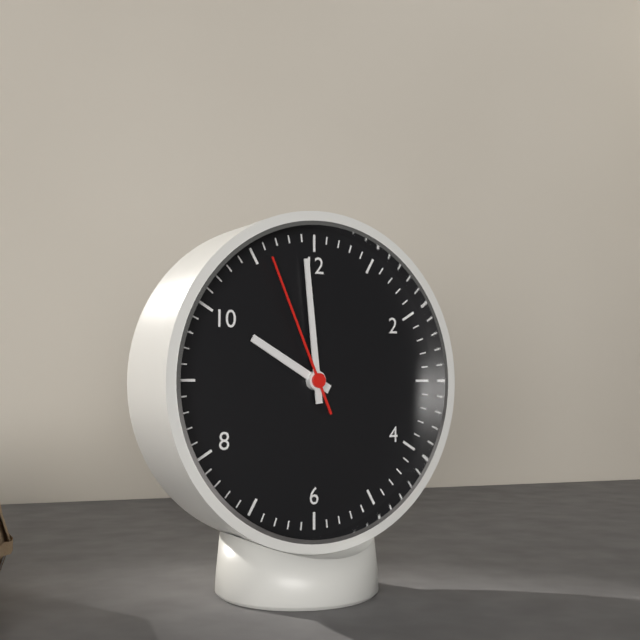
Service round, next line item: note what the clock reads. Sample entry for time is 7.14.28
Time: 9.59.56
